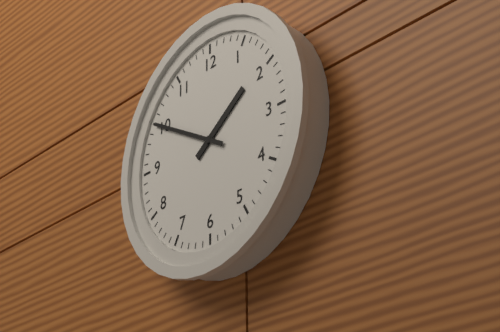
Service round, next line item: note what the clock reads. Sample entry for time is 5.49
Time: 1.50
